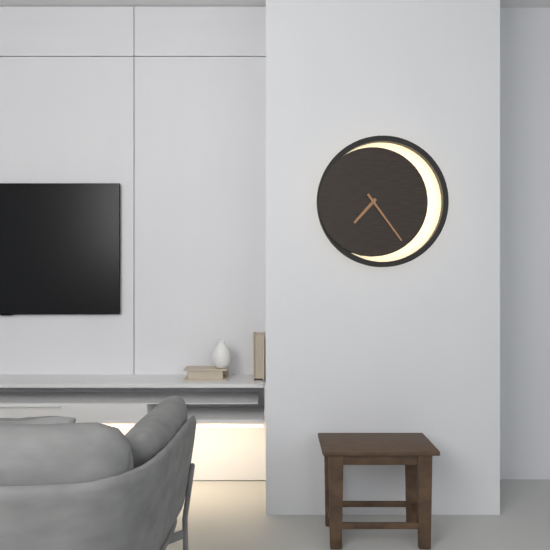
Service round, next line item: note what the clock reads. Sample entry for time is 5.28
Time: 7.24
